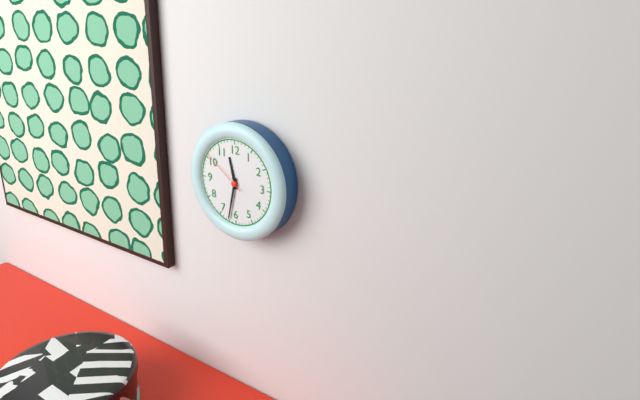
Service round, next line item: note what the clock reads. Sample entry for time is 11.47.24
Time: 11.32.51
